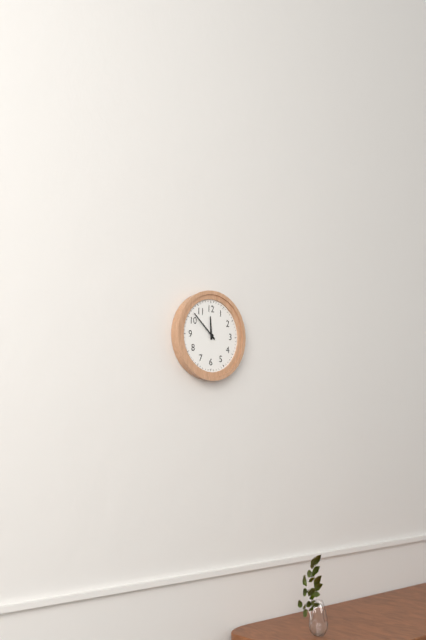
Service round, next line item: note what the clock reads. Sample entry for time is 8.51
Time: 11.52
